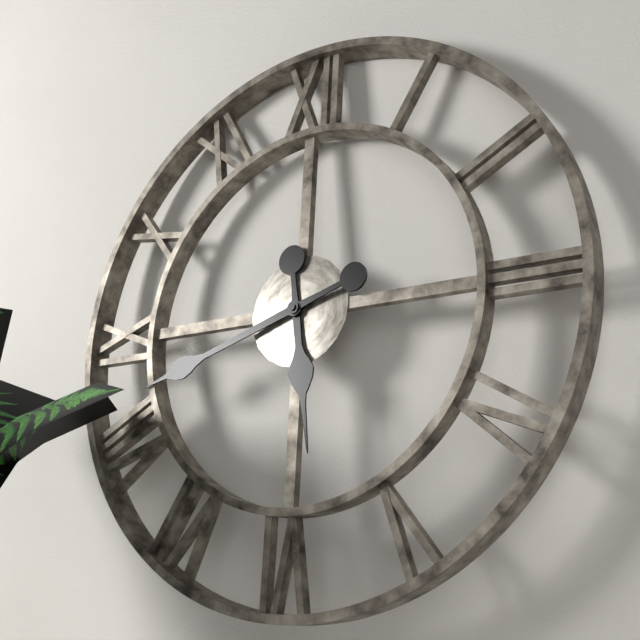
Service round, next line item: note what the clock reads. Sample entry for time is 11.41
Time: 5.42
